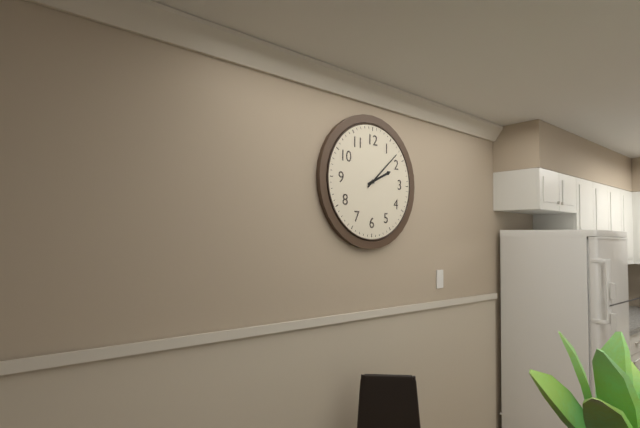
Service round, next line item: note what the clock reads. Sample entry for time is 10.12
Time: 2.08
